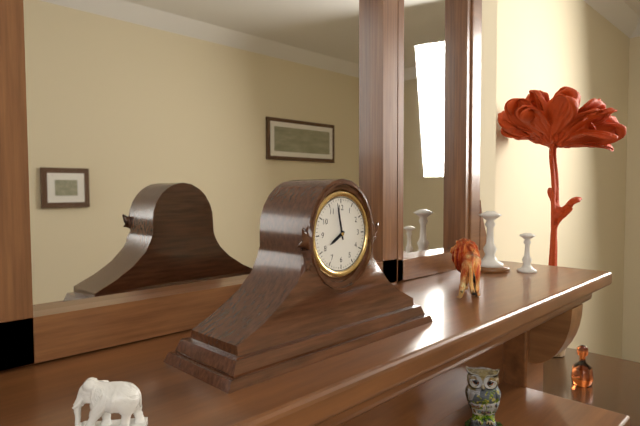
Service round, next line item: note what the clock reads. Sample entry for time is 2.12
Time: 7.58
